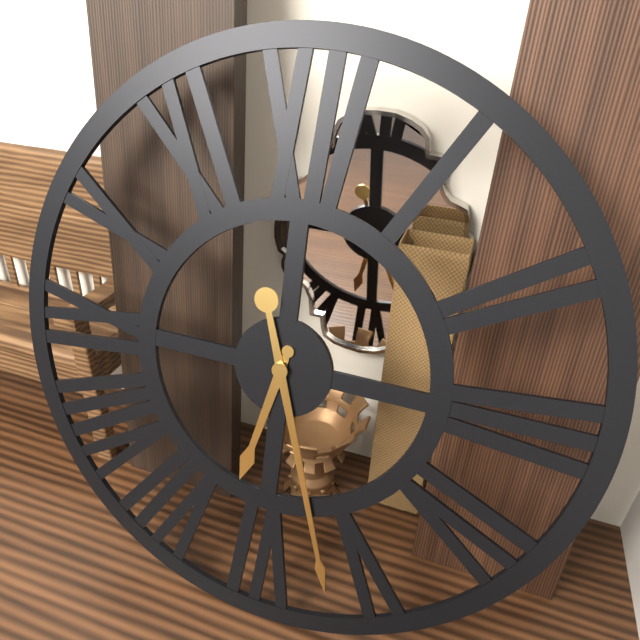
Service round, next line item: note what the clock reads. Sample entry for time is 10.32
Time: 6.27
